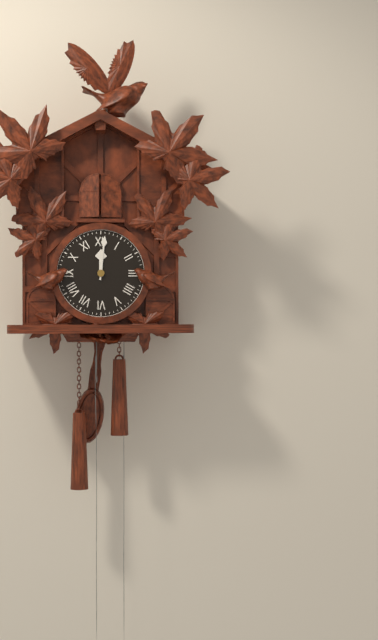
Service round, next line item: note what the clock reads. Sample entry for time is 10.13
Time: 12.01
